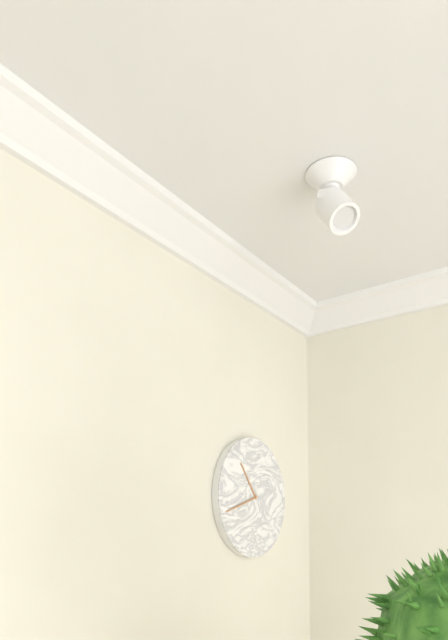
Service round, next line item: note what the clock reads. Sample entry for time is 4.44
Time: 10.42
